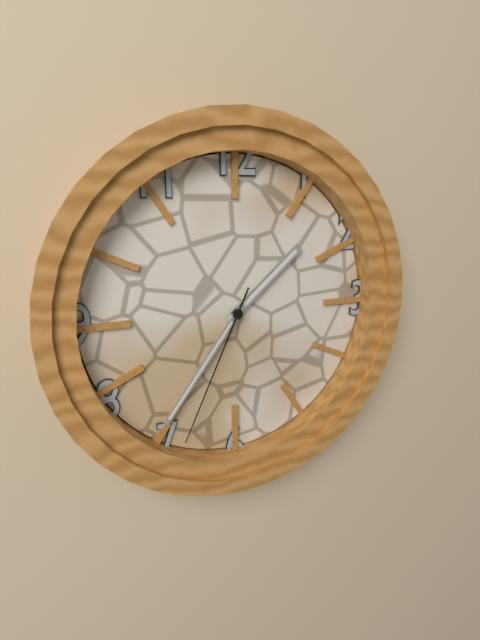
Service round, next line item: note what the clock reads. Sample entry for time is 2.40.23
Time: 1.36.34
